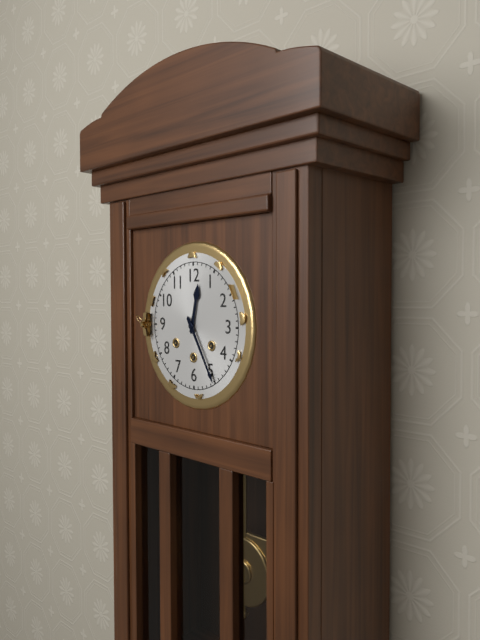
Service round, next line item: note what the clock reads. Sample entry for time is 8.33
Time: 12.25
